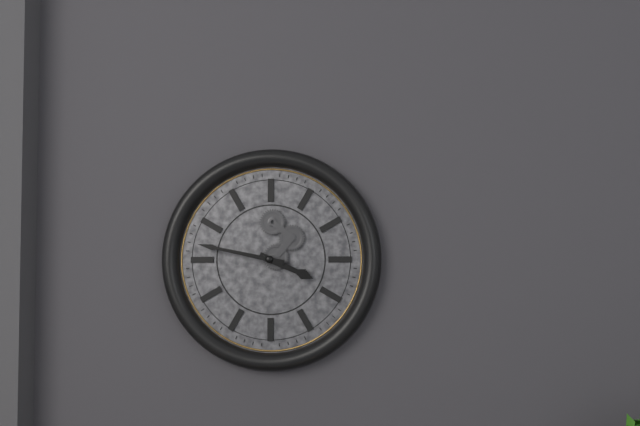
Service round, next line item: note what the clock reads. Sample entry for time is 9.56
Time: 3.47
